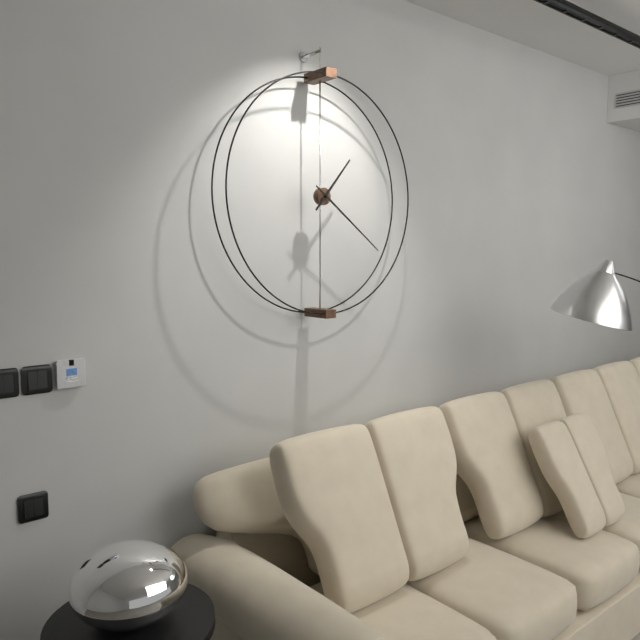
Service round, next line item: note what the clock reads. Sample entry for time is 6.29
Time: 1.21
